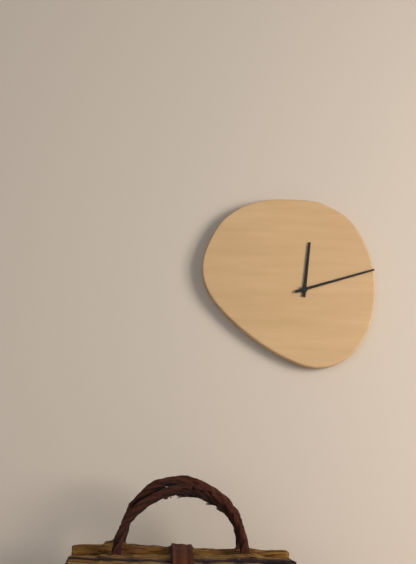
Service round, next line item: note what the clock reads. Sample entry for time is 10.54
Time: 12.12
